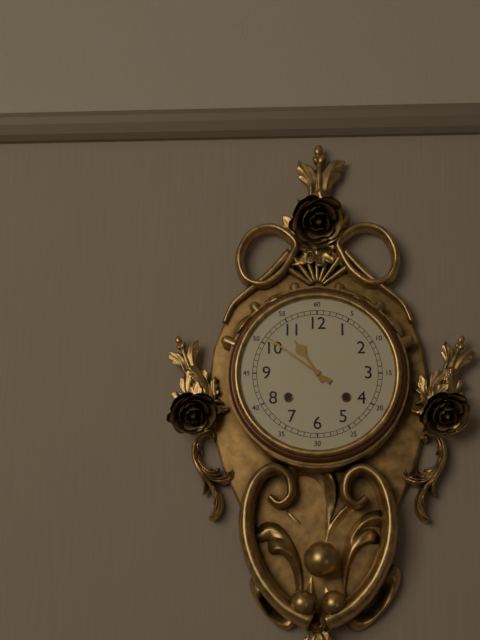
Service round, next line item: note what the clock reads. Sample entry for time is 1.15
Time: 10.51
